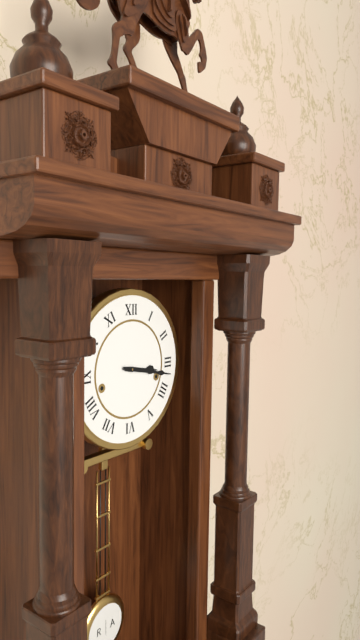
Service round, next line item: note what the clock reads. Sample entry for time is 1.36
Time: 3.17
